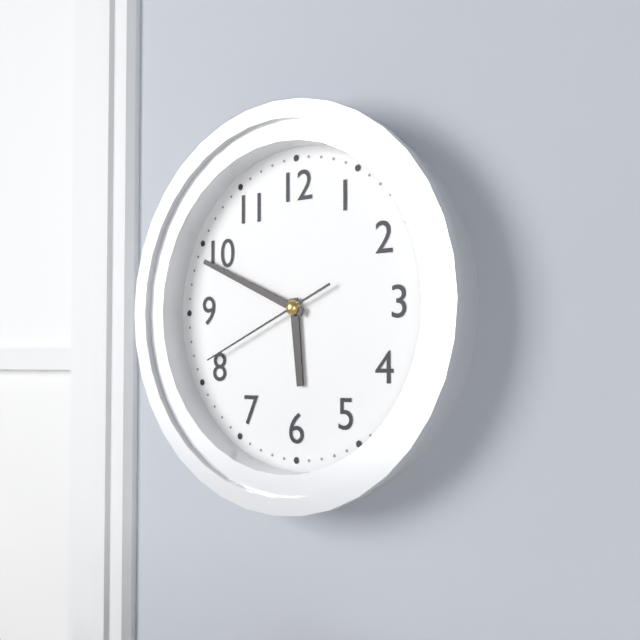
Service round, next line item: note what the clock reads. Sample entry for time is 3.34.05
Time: 5.49.41
